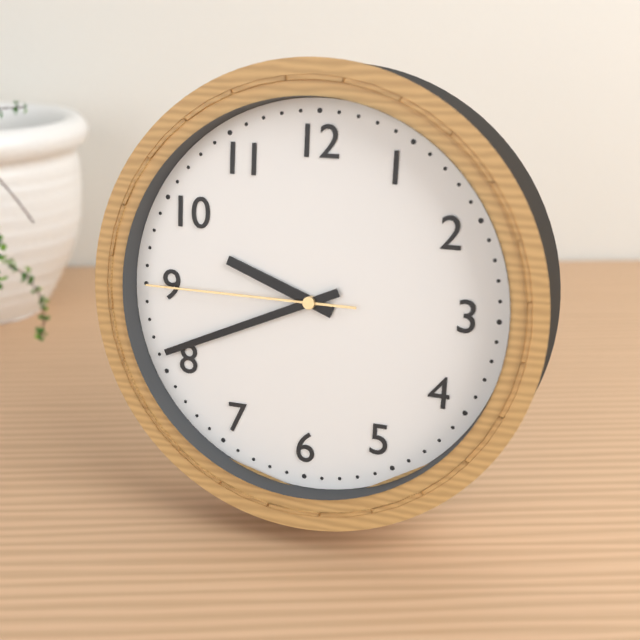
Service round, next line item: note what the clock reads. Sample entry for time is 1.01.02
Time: 9.41.45
